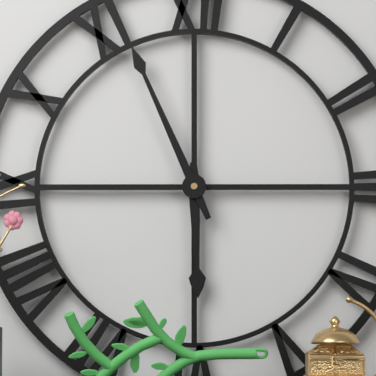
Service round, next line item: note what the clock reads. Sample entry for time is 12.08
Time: 5.56
